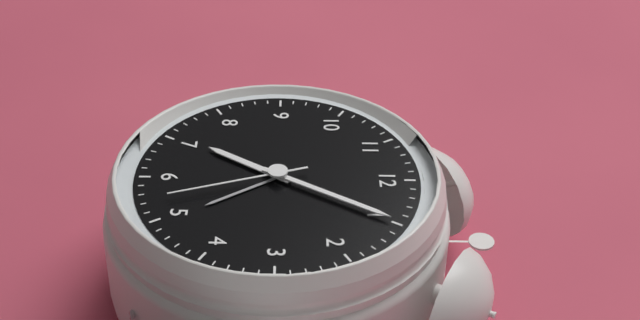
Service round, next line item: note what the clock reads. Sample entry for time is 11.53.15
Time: 7.05.27
